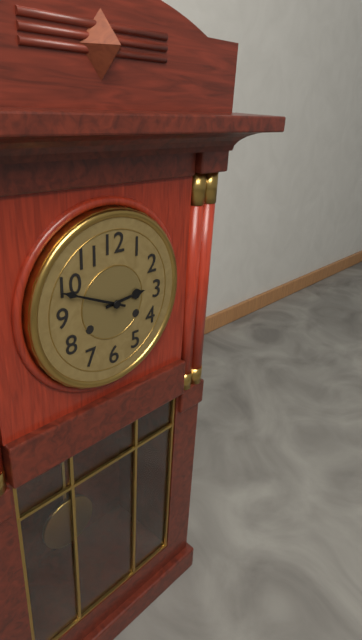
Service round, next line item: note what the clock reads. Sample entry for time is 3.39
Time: 2.49
